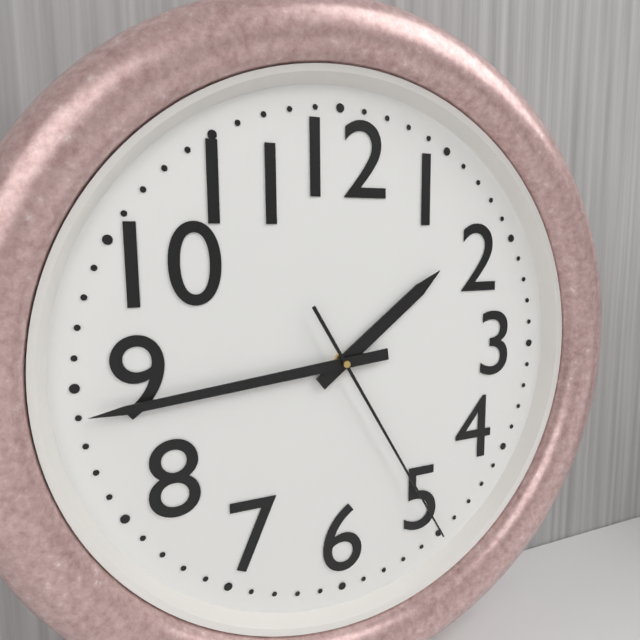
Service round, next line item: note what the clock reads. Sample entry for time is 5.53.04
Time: 1.44.25
